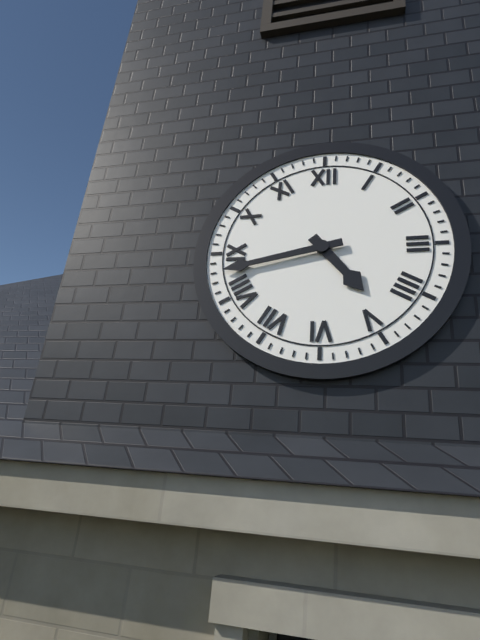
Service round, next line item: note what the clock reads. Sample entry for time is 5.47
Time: 4.43
